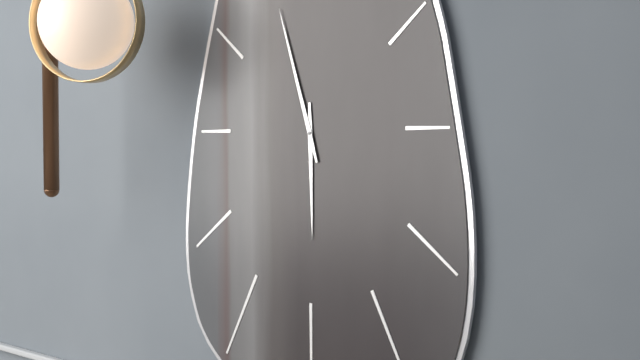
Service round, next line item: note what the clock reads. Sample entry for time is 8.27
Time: 5.57
